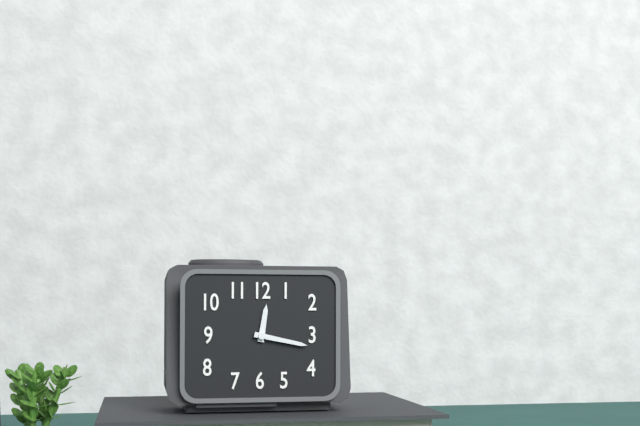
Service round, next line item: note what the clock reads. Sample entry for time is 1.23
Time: 12.17
